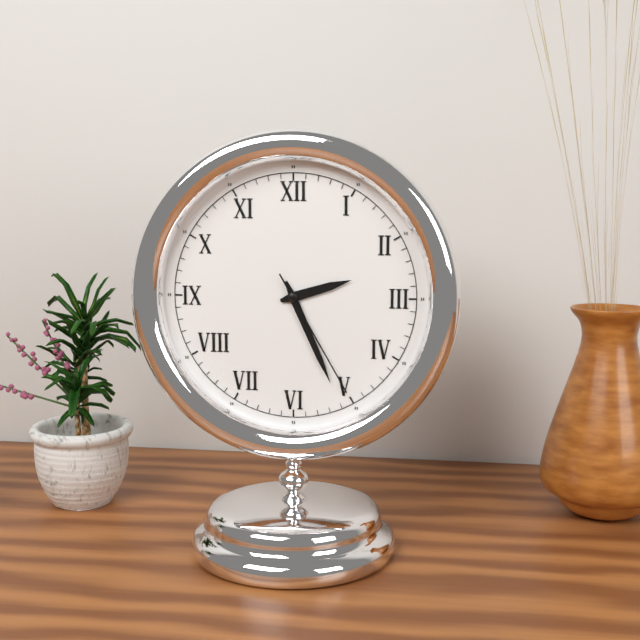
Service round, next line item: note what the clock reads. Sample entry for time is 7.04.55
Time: 2.26.25
